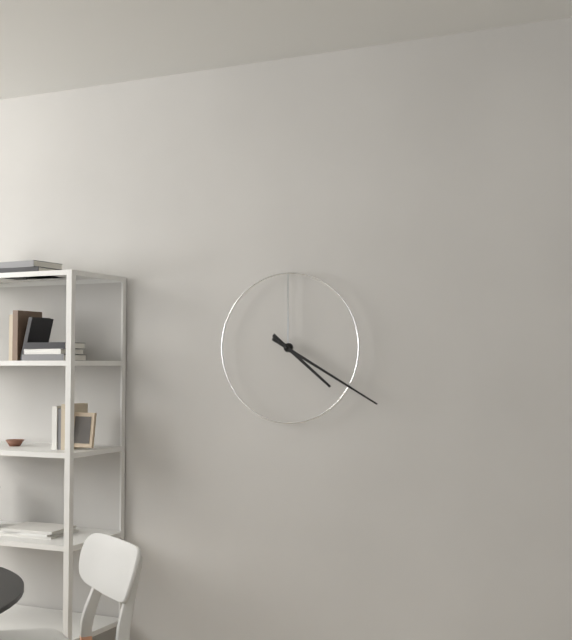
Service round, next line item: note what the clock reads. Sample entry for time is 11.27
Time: 4.20
